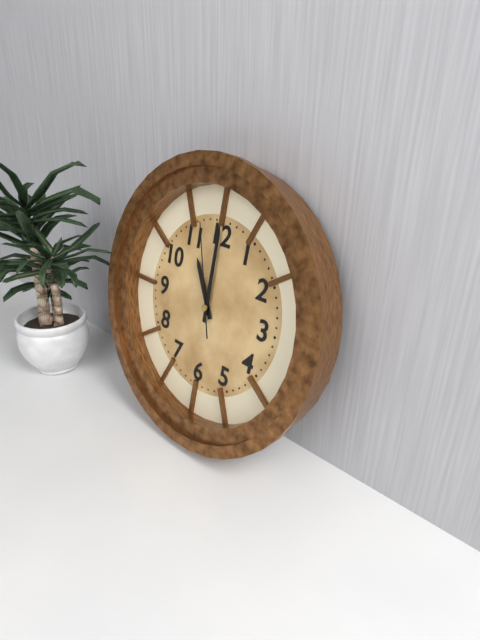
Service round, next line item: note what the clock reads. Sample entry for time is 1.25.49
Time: 11.00.57
